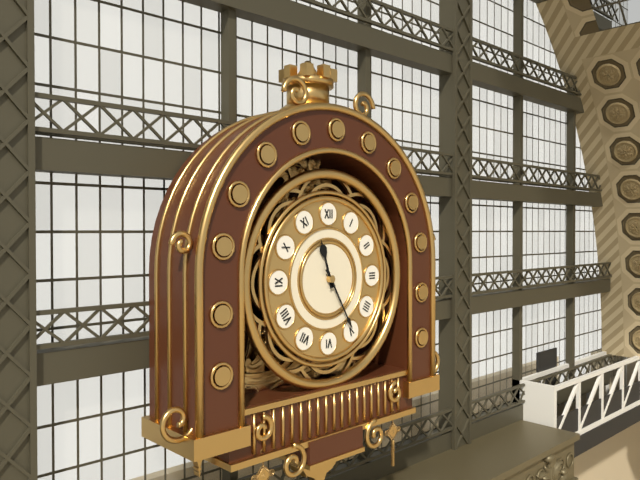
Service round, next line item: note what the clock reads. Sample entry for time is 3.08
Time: 11.25
